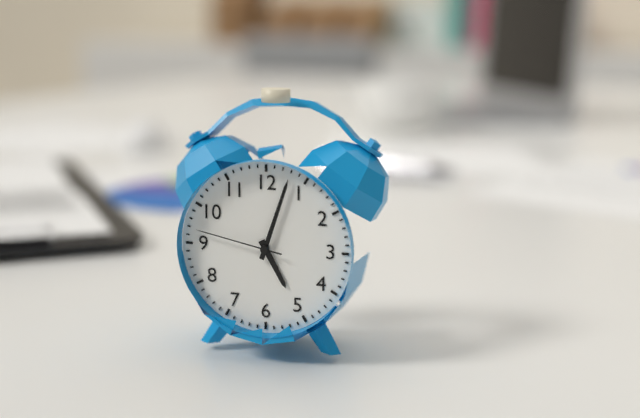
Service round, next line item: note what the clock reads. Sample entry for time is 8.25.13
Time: 5.03.47
